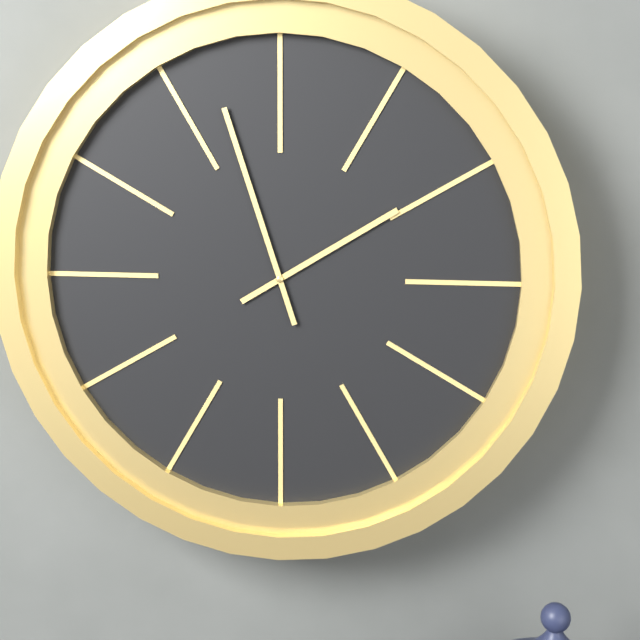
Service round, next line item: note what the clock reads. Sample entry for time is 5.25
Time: 1.57
